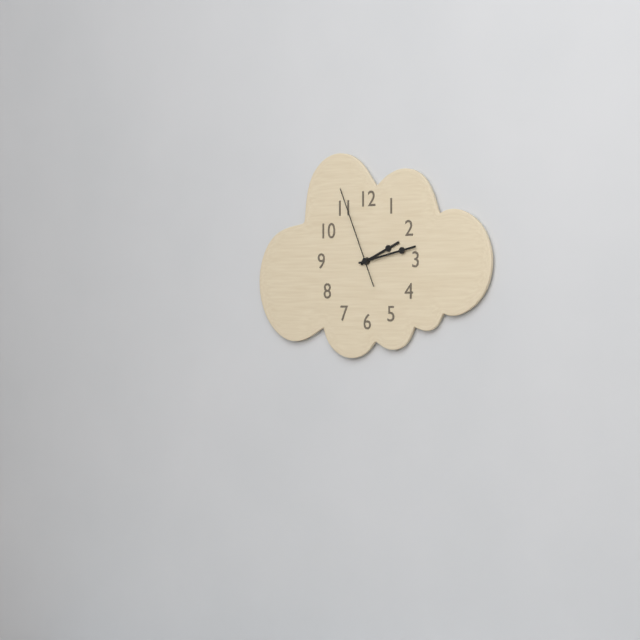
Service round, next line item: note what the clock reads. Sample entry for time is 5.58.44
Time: 2.13.56
